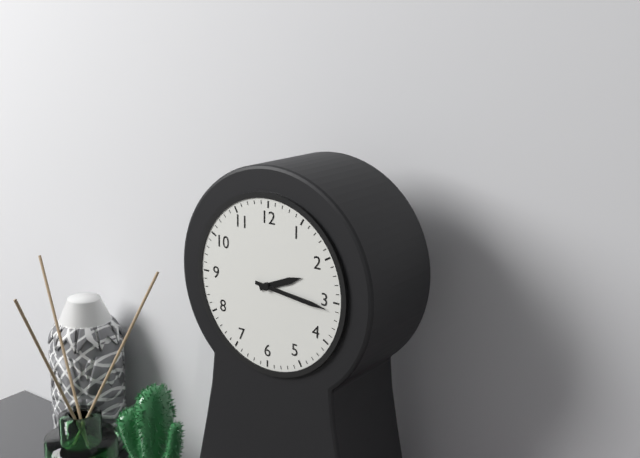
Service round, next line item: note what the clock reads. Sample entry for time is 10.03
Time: 2.16
